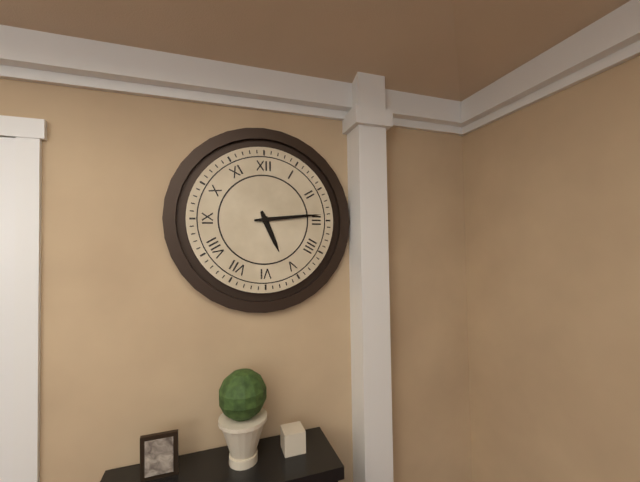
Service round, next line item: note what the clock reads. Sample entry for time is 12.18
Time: 5.14
